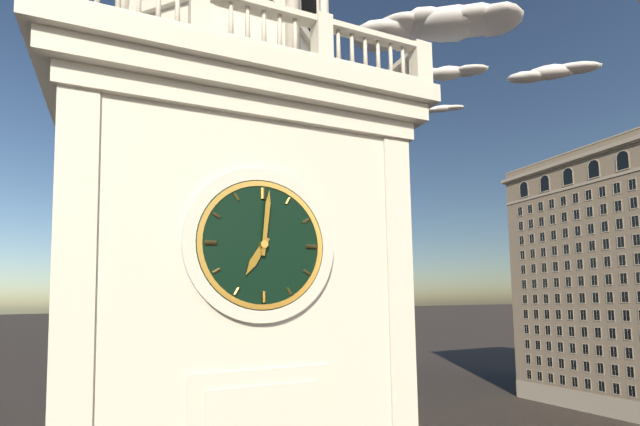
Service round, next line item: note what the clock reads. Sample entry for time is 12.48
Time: 7.01
